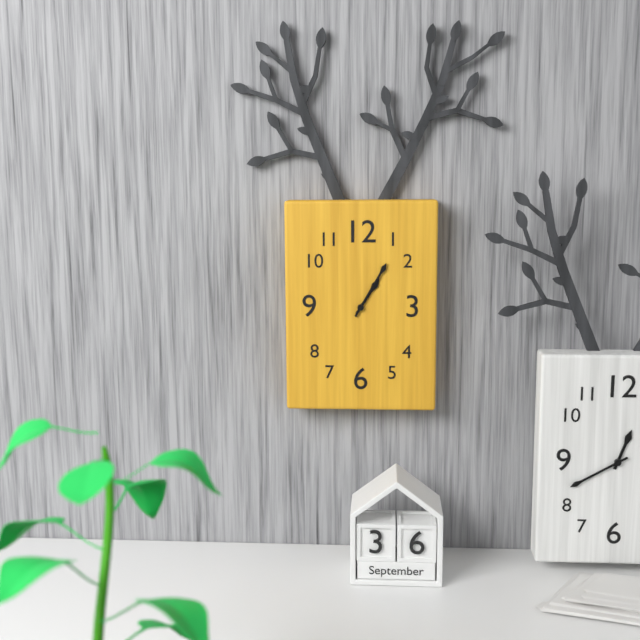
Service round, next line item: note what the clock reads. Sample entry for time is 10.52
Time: 1.05
